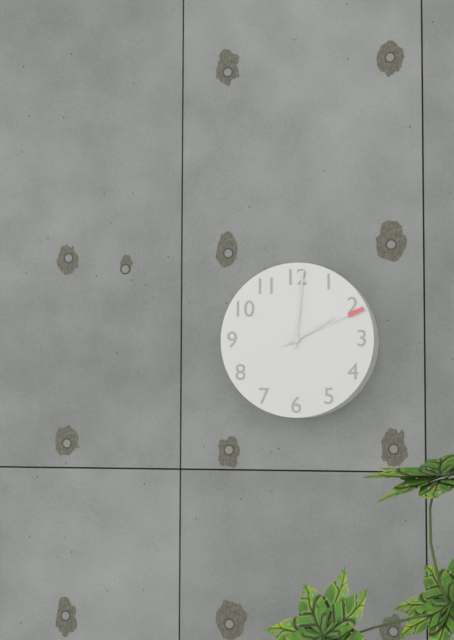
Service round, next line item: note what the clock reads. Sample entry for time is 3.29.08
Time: 2.01.11
